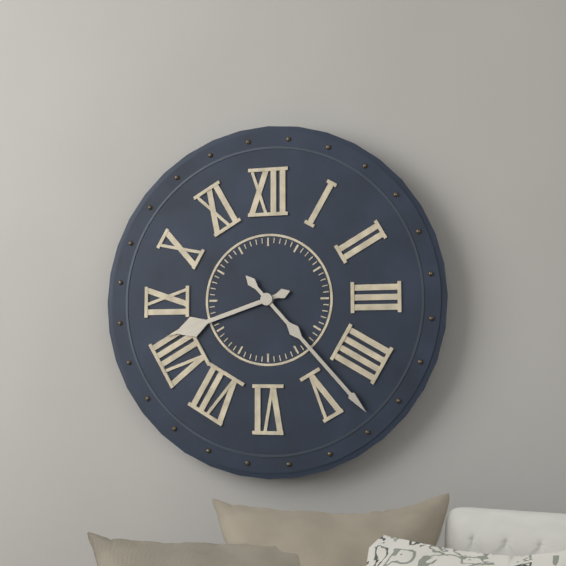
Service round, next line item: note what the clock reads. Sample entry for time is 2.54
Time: 8.23
